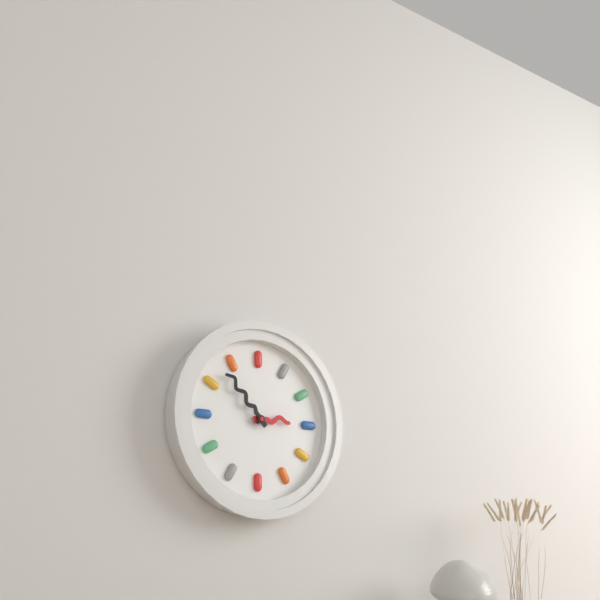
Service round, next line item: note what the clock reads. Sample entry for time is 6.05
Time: 2.53
